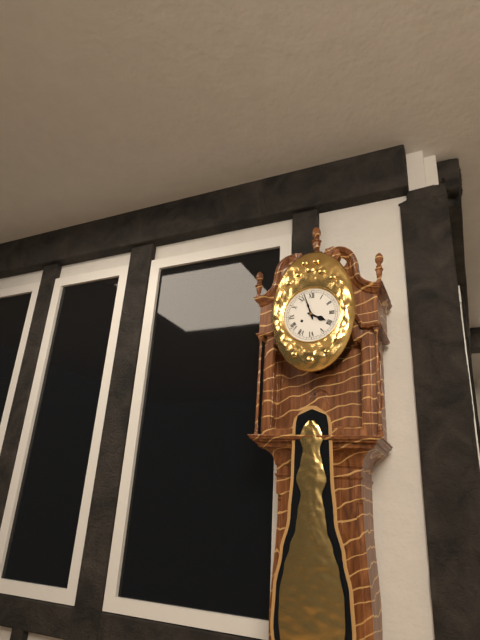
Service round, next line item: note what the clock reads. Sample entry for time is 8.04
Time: 3.57
